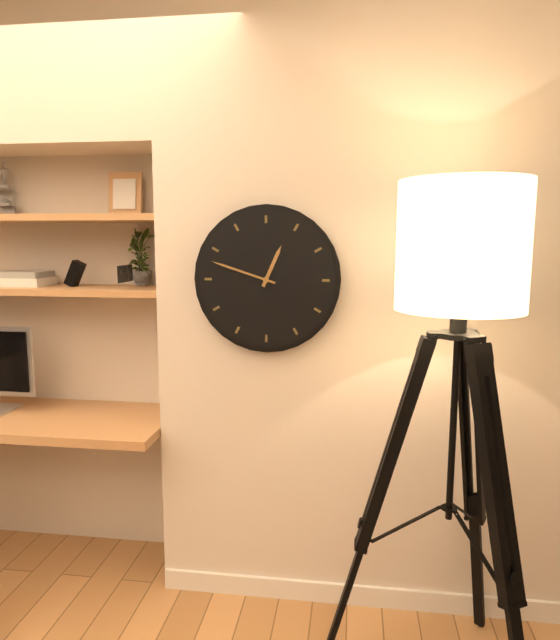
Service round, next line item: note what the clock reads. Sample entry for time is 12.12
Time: 12.48
